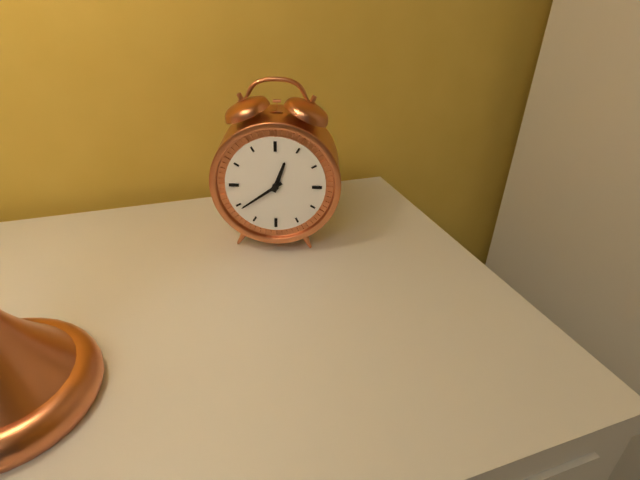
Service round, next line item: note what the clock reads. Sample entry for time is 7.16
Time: 12.39
